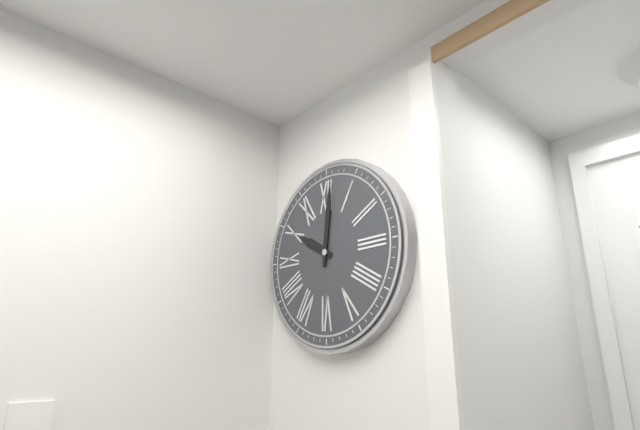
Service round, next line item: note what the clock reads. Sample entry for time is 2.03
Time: 10.01
